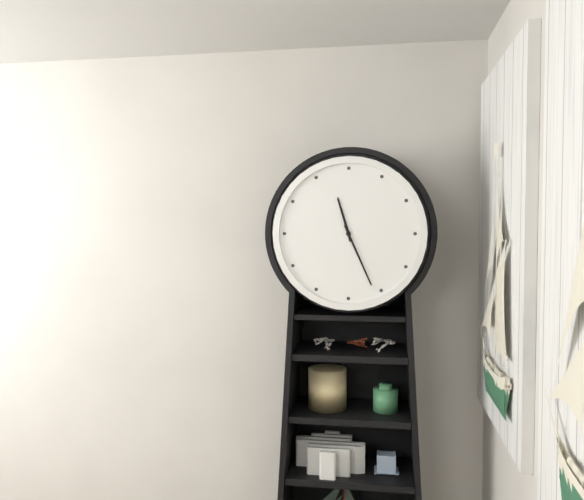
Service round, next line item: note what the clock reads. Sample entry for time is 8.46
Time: 11.26
